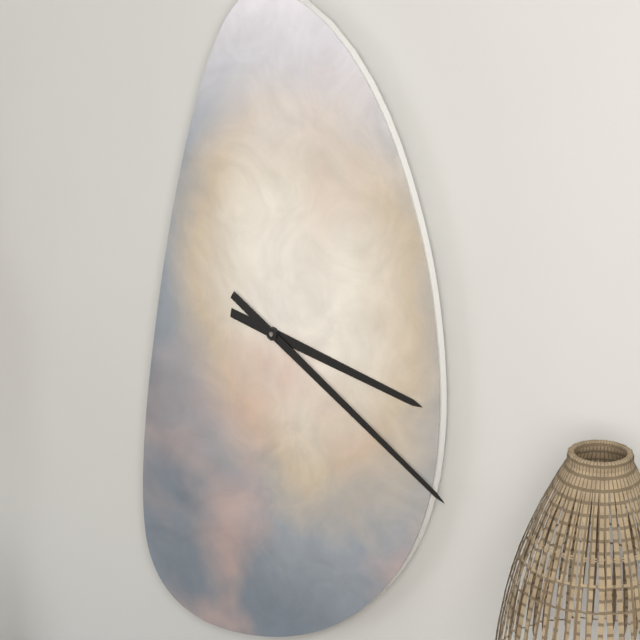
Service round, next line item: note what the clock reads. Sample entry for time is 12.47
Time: 3.20
